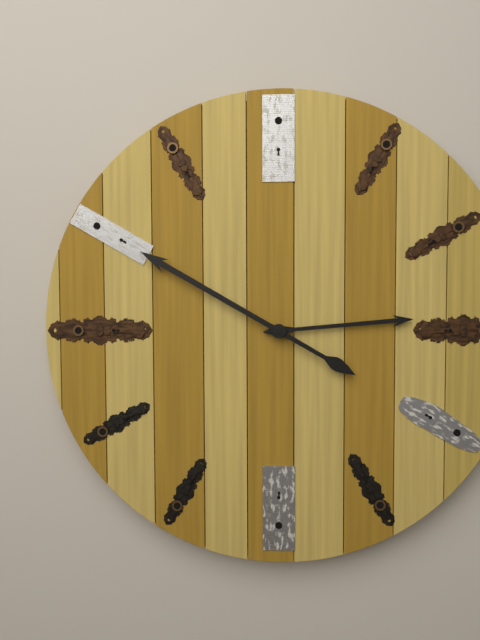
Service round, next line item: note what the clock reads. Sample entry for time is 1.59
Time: 2.50
